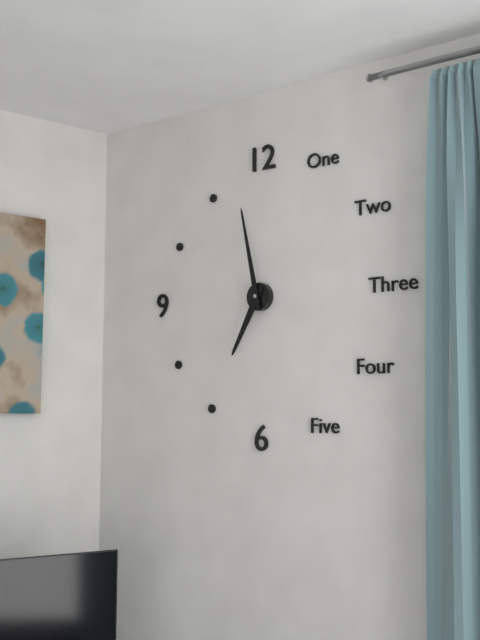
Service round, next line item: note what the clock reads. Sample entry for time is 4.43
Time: 6.58
